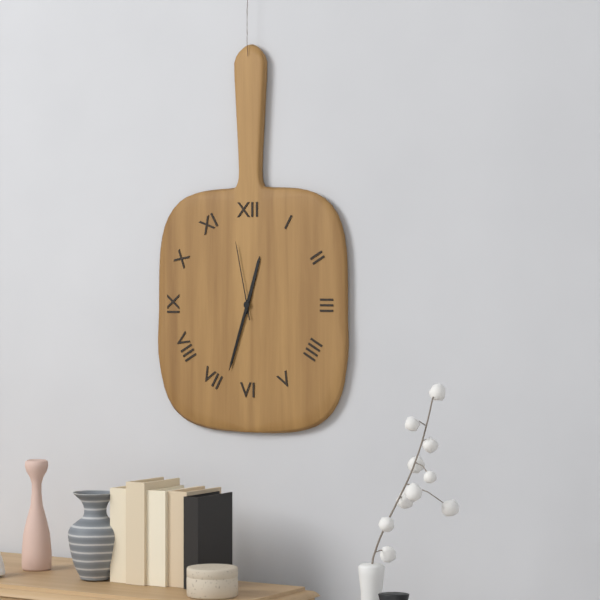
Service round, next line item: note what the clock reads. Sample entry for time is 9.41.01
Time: 12.33.58
